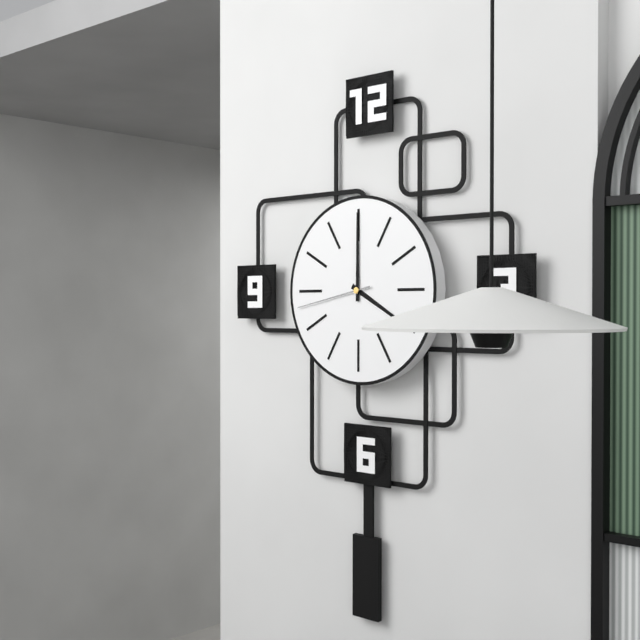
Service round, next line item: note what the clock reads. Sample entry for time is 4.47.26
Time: 4.00.43
